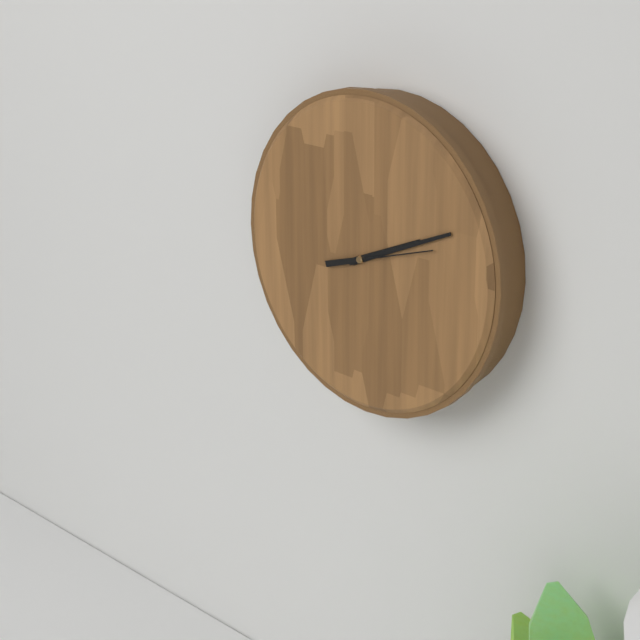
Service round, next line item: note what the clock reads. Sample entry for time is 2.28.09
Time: 2.11.12
